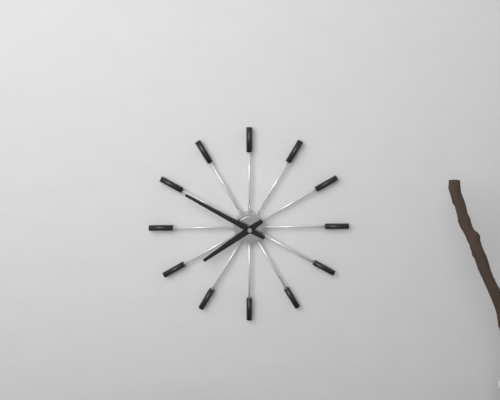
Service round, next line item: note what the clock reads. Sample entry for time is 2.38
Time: 7.50
